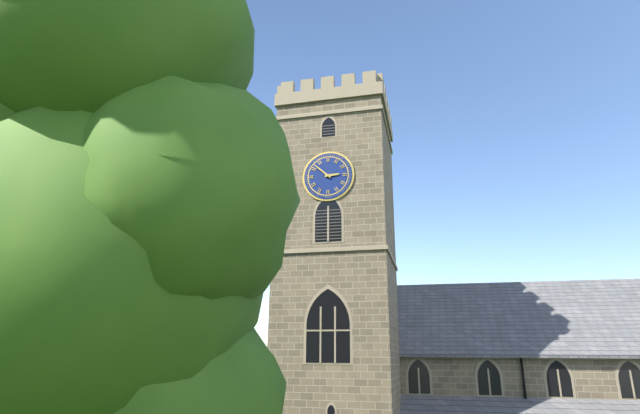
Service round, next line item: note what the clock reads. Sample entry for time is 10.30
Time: 2.52
